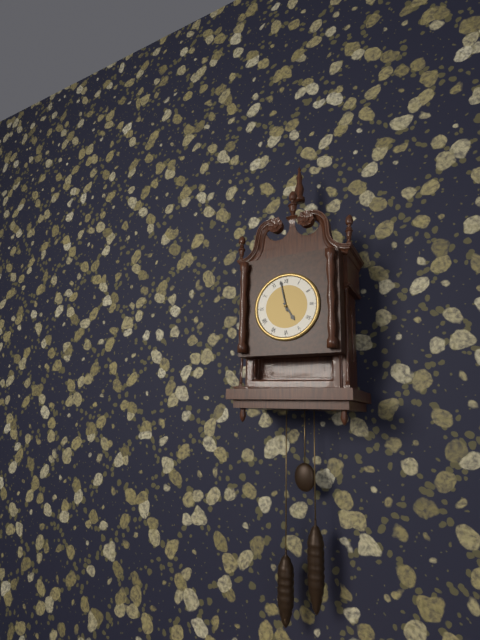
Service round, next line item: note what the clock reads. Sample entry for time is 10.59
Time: 4.58
